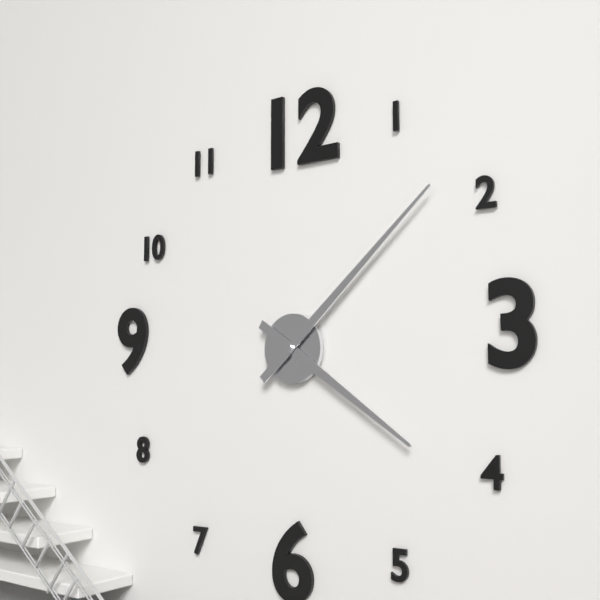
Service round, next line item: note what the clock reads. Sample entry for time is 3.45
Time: 4.08
